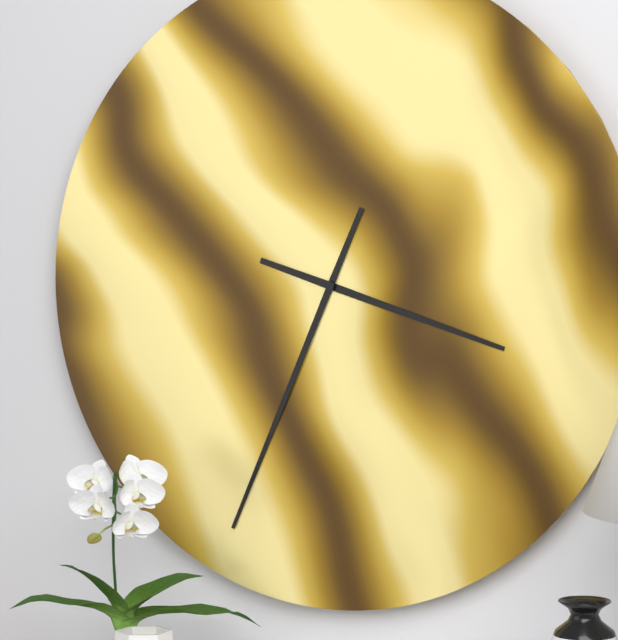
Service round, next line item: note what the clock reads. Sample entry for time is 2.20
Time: 3.34
